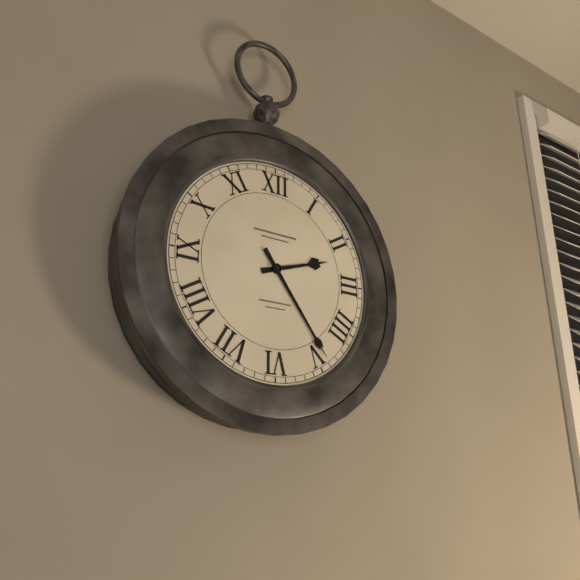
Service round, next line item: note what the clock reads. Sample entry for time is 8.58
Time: 2.24
